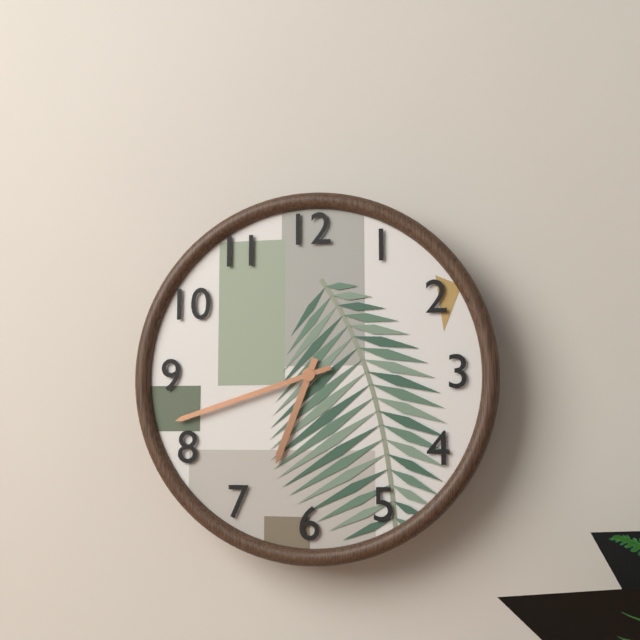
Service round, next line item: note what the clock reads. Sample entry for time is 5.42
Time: 6.42
